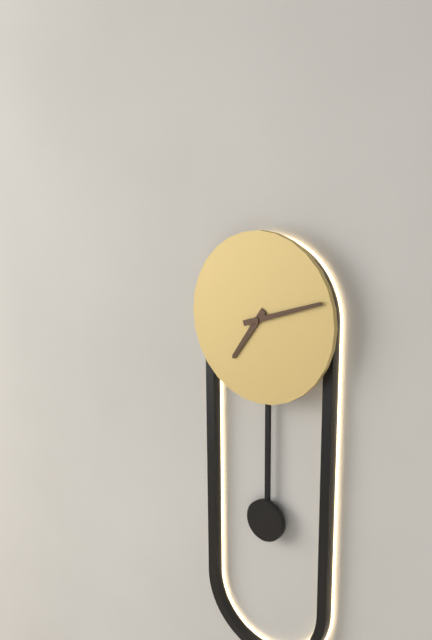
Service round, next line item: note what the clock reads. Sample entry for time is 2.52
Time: 7.12
